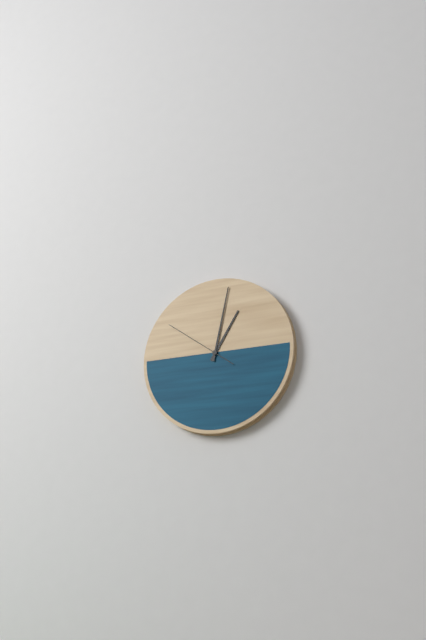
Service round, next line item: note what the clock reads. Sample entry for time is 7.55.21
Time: 1.02.51
